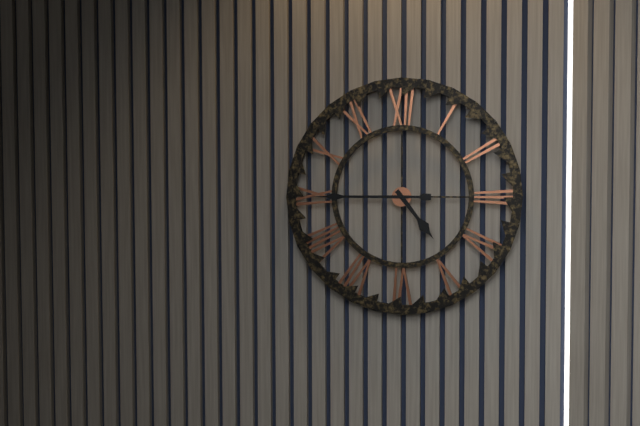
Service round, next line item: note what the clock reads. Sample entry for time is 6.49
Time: 4.45
